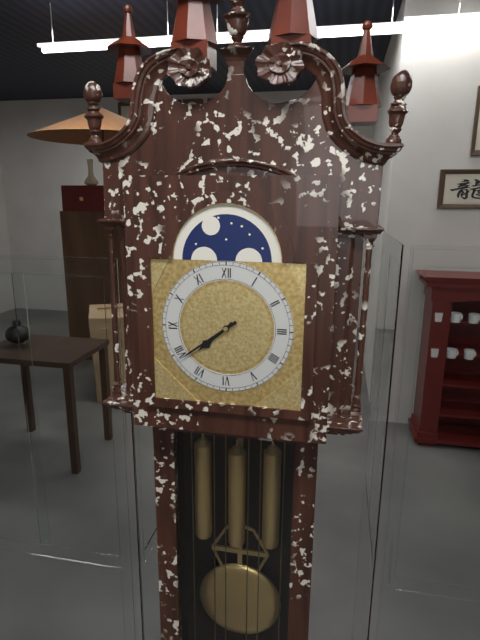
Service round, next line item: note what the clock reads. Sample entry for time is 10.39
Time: 7.39
